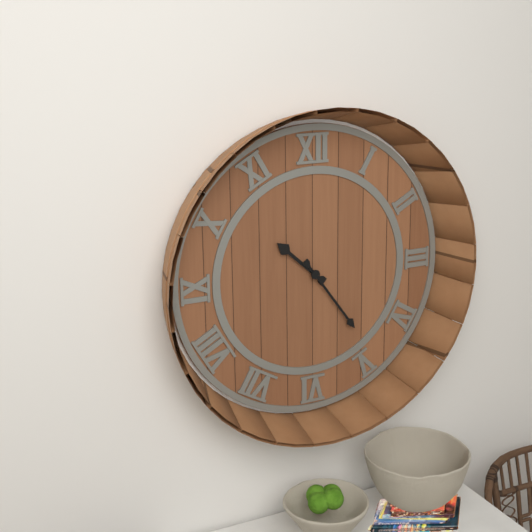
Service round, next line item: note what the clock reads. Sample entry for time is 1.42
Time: 10.24
